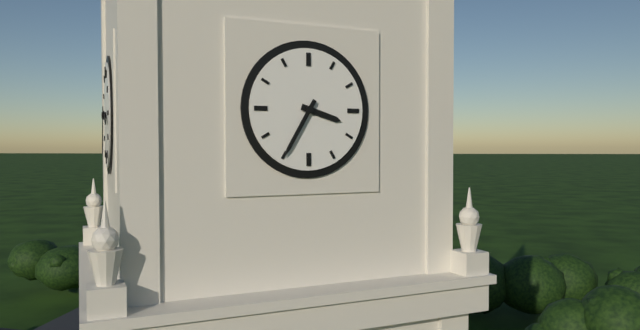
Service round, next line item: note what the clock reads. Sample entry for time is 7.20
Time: 3.35
